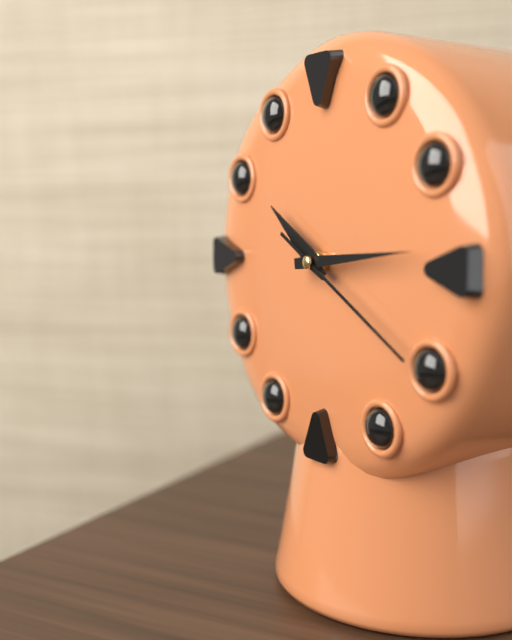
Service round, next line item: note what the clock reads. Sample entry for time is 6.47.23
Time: 10.14.20
